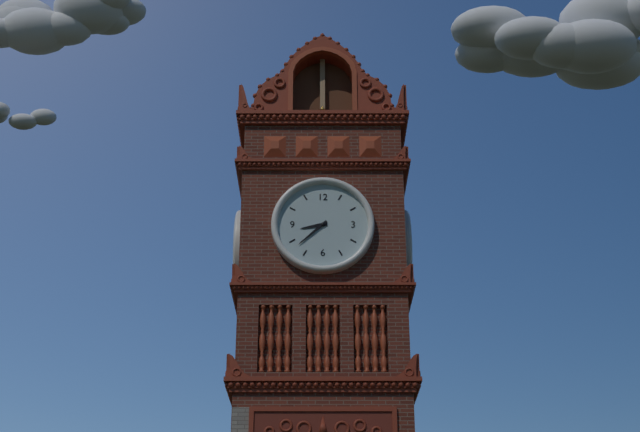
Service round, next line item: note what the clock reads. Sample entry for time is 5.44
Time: 8.38
